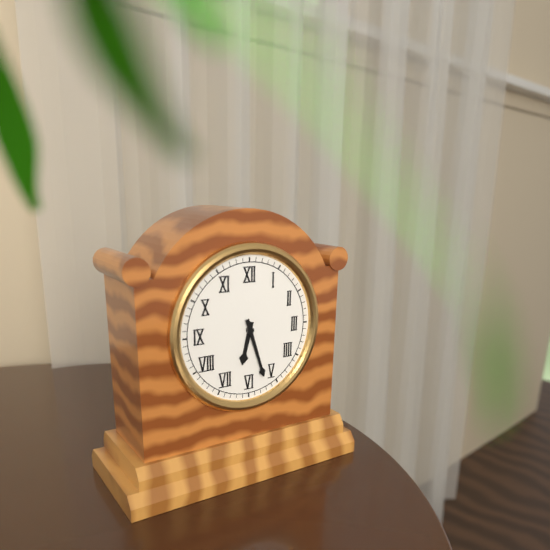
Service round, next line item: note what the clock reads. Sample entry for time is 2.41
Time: 6.27
